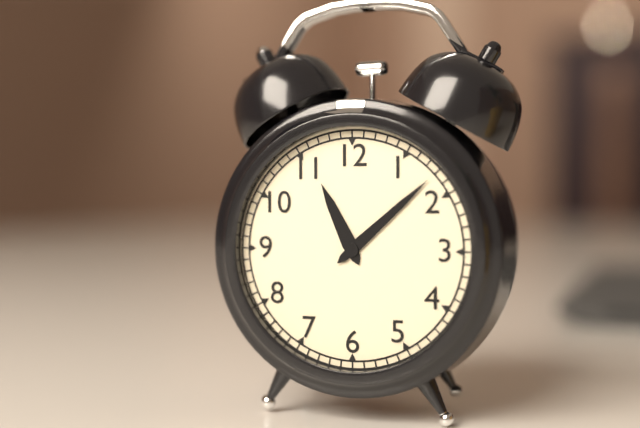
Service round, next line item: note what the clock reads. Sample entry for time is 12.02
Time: 11.08
